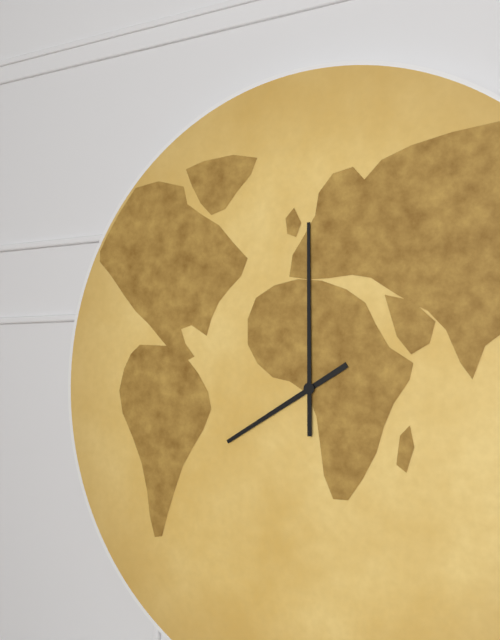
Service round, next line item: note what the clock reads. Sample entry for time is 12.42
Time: 8.00
